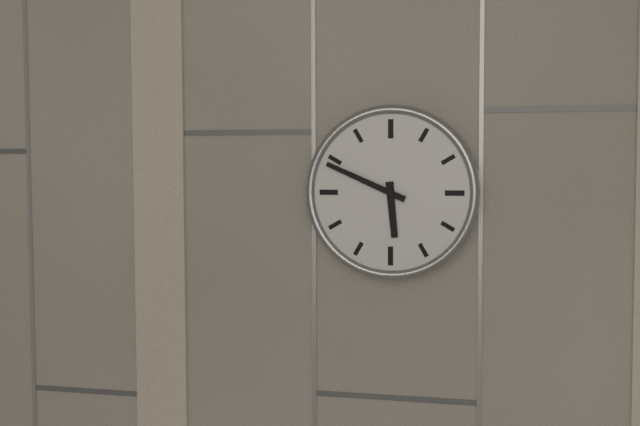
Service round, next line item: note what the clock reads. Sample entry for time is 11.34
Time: 5.49
